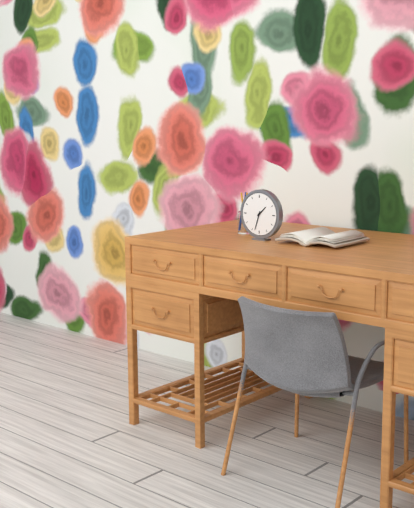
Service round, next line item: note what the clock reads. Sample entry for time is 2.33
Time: 1.33
